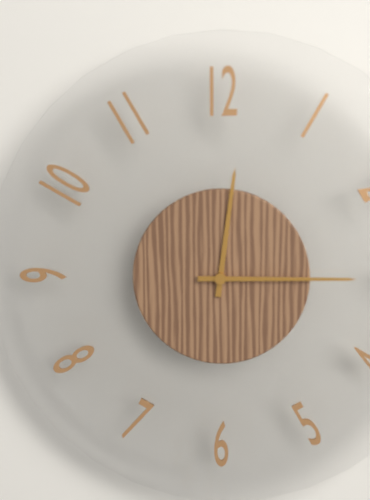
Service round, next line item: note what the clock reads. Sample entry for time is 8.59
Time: 12.15
